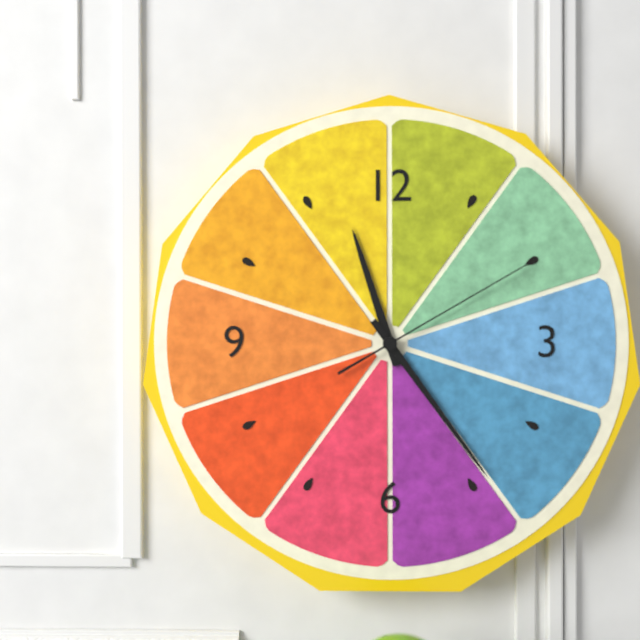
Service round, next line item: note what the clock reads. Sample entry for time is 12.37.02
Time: 11.24.10
